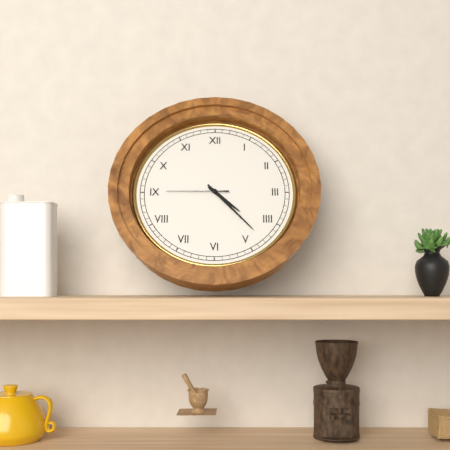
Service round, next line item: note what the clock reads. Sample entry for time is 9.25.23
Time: 4.23.45
